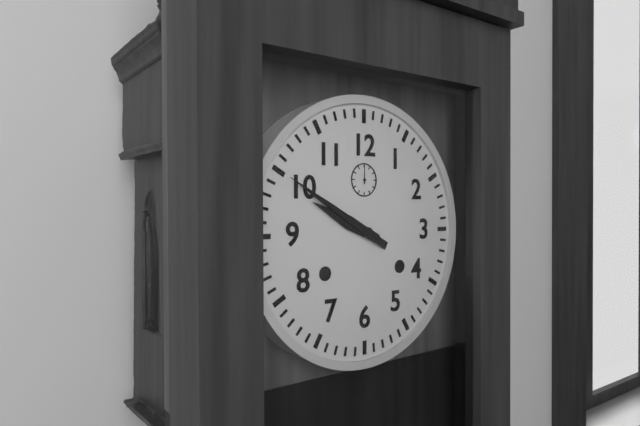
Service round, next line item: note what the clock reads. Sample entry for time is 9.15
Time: 9.50
